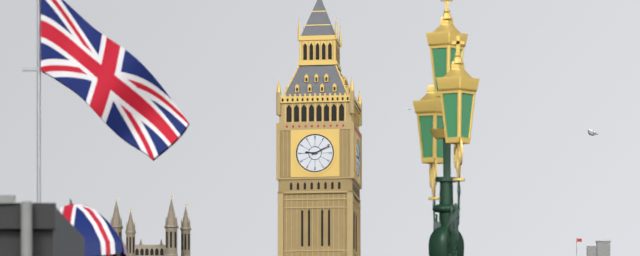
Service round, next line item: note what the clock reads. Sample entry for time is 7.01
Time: 9.11
